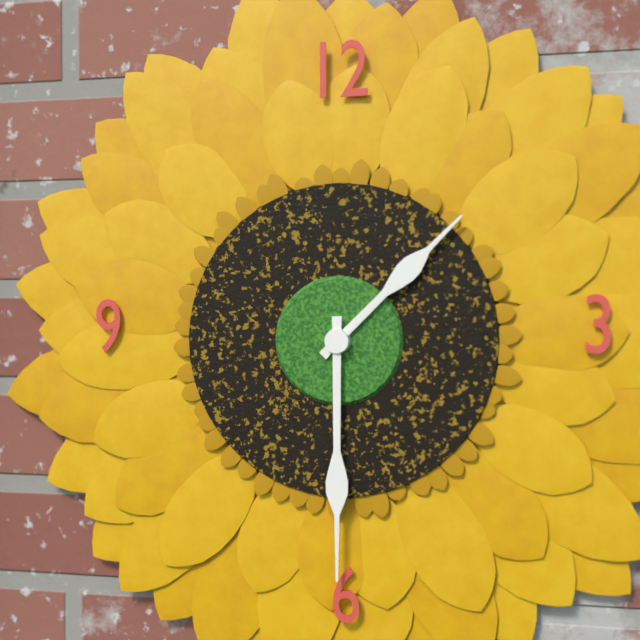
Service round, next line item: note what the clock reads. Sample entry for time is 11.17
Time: 1.30
